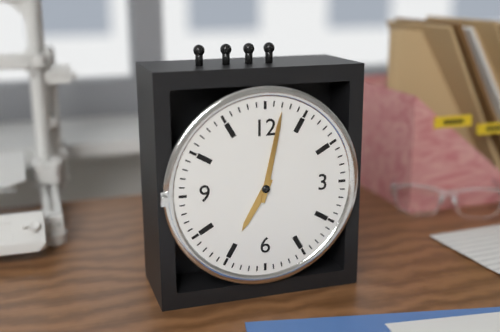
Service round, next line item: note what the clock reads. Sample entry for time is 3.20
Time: 7.02
